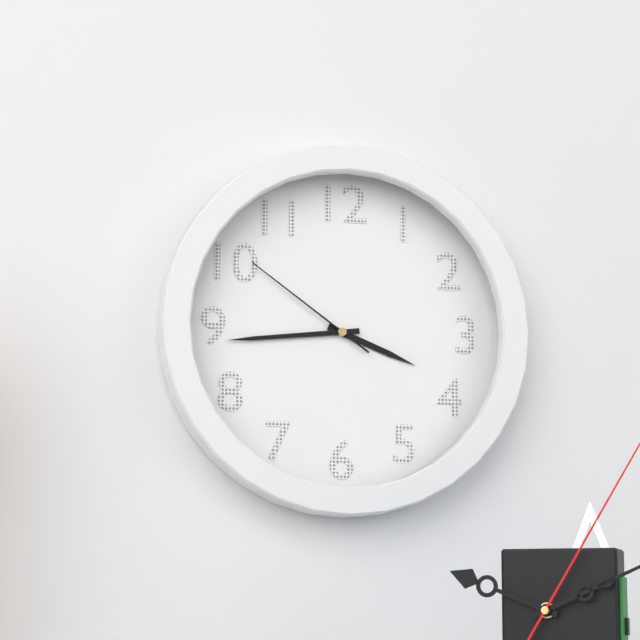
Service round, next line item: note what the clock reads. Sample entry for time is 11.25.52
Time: 3.44.51
